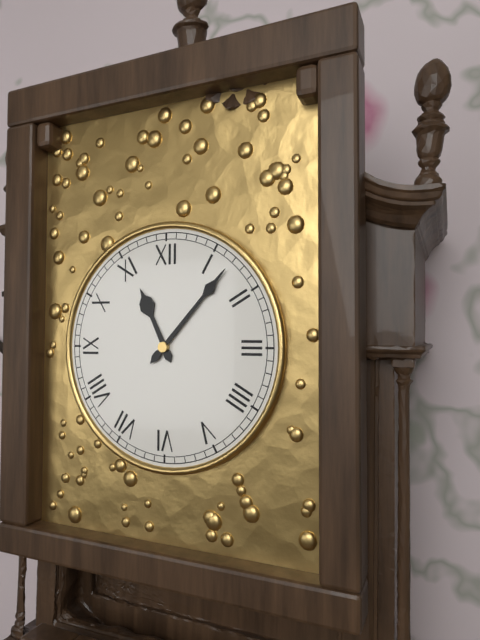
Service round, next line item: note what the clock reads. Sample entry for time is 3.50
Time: 11.07
